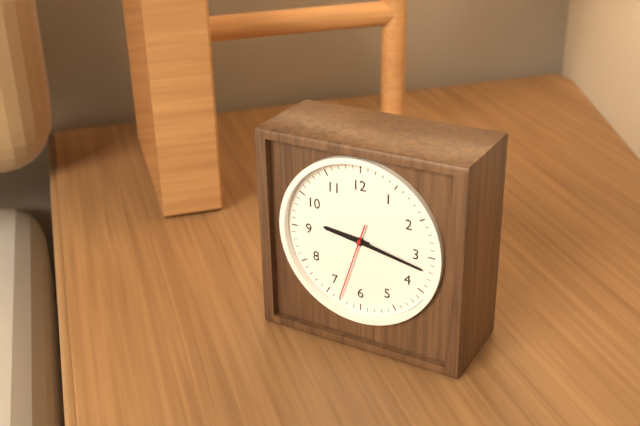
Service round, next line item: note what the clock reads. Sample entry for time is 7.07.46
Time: 9.17.33
